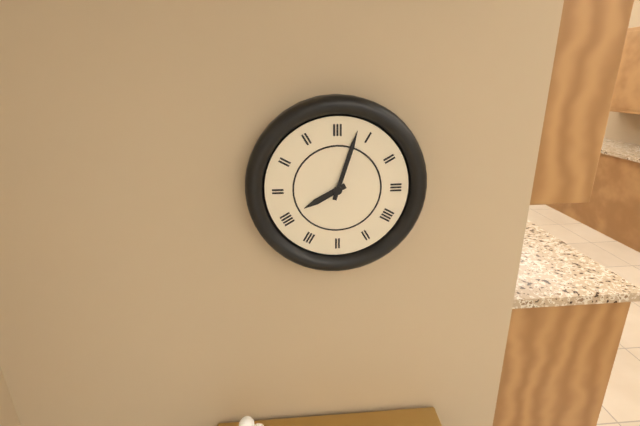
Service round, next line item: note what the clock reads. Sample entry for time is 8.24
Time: 8.03
